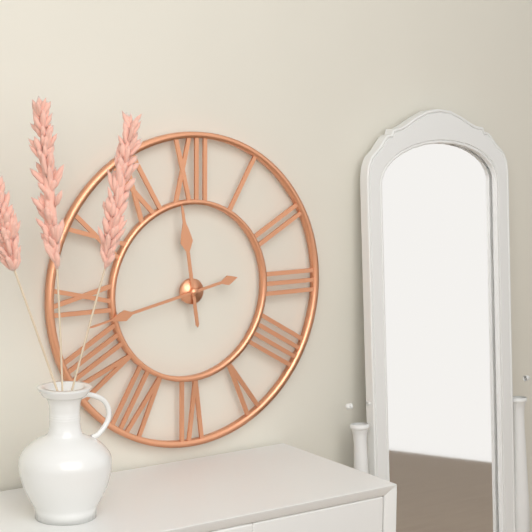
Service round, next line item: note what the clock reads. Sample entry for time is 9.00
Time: 11.43
